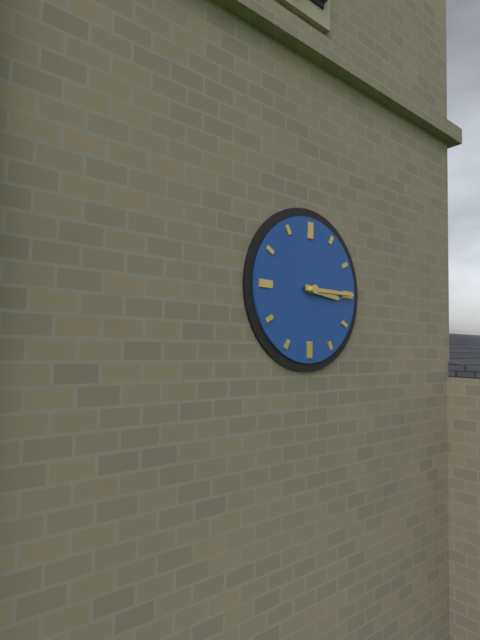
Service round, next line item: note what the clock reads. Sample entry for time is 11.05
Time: 3.15
